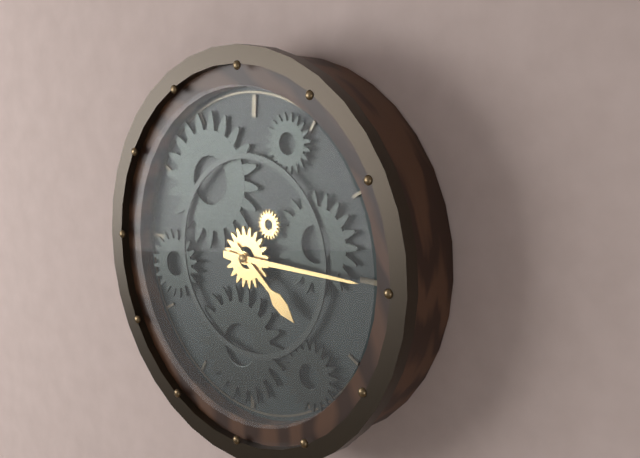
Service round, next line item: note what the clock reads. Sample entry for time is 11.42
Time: 4.15
